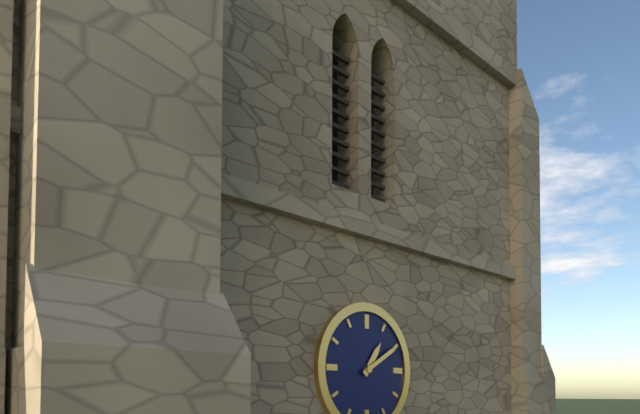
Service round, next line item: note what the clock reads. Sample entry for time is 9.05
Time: 1.10
